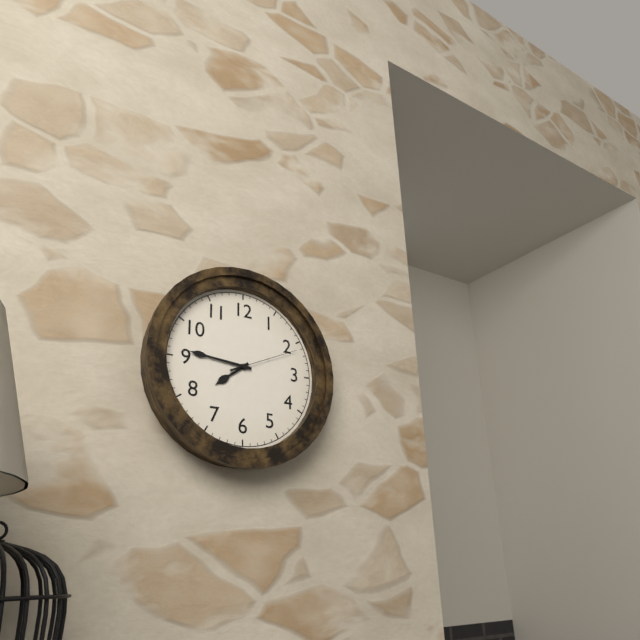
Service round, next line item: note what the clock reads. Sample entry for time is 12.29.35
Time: 7.46.11
